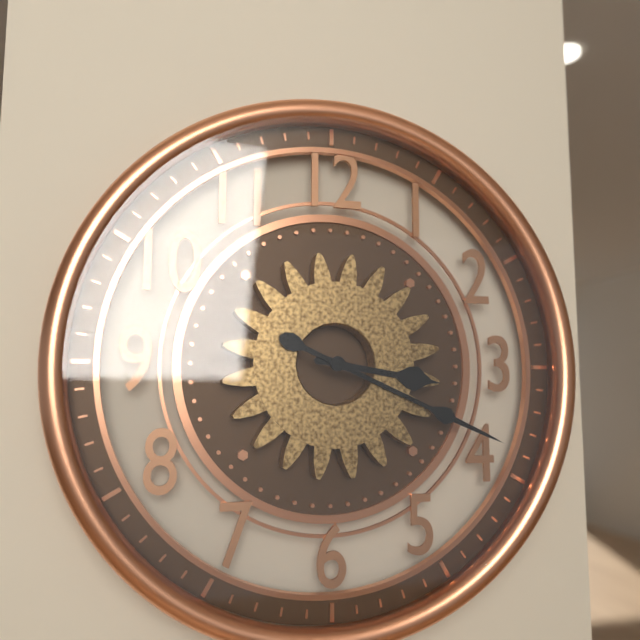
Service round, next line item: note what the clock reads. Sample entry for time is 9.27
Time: 3.19
